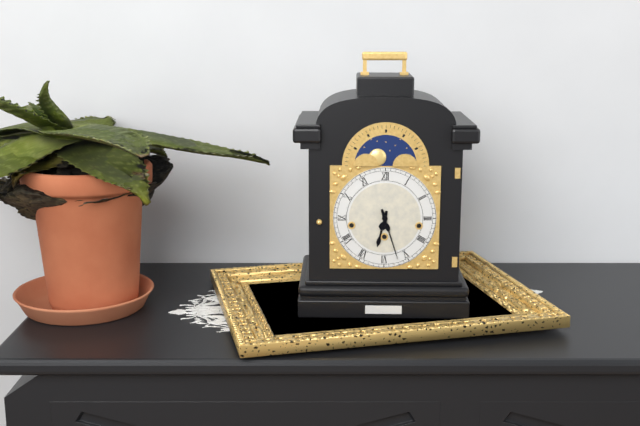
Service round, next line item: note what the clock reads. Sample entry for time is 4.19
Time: 6.27
